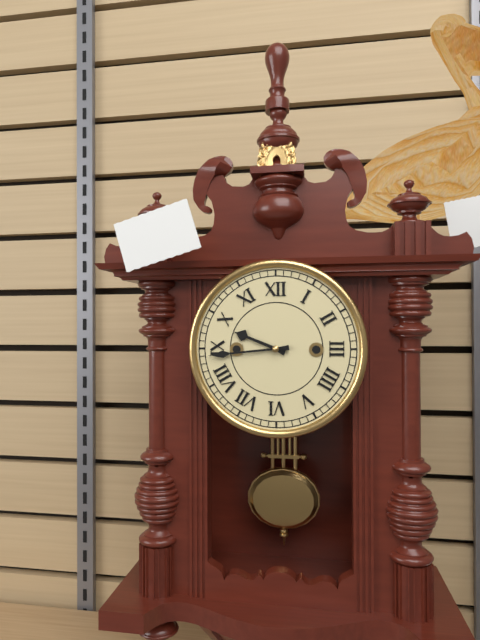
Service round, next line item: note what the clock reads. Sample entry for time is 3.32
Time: 9.44
